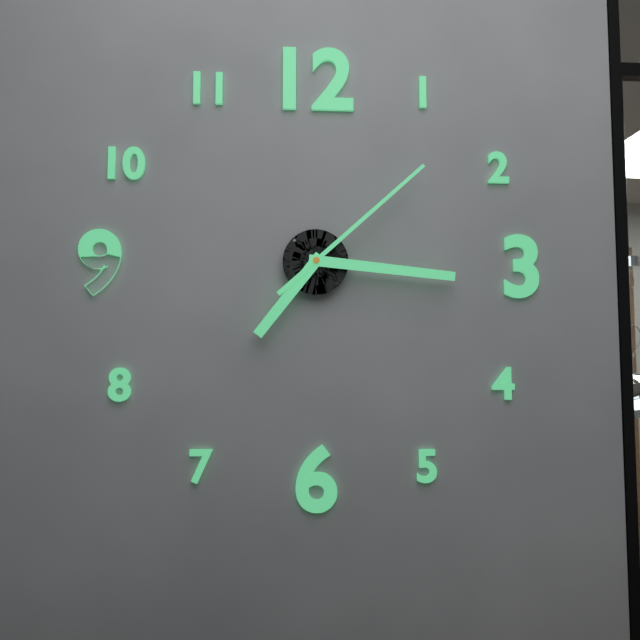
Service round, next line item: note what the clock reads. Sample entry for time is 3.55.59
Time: 7.16.08
